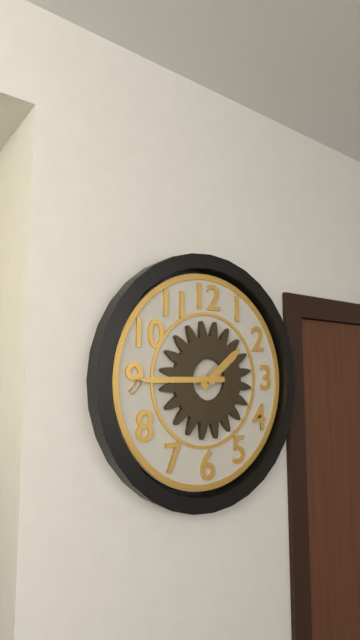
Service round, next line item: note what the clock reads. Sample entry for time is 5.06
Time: 1.45
